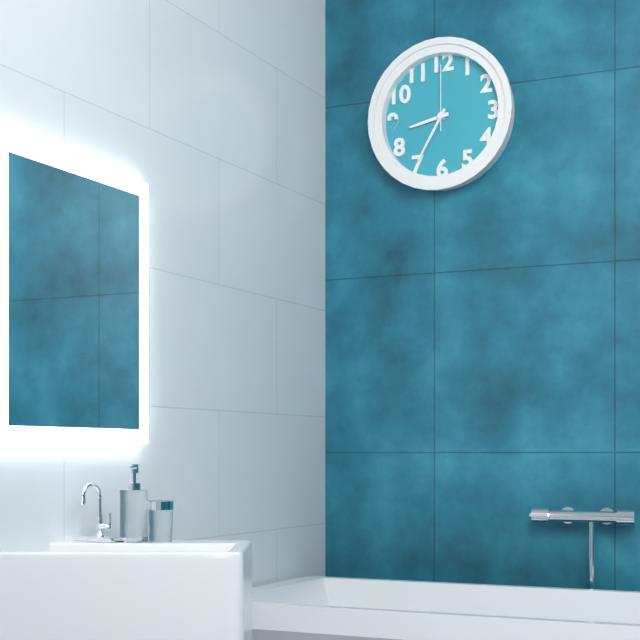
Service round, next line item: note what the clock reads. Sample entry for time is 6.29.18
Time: 8.35.00
